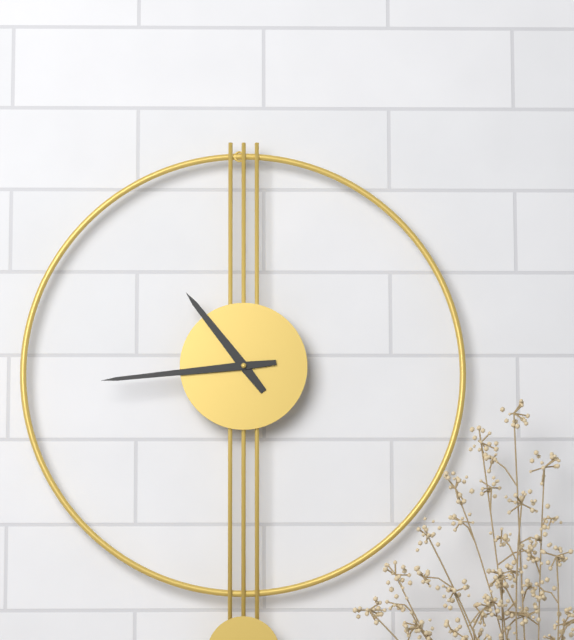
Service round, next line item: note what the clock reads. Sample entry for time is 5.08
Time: 10.44
